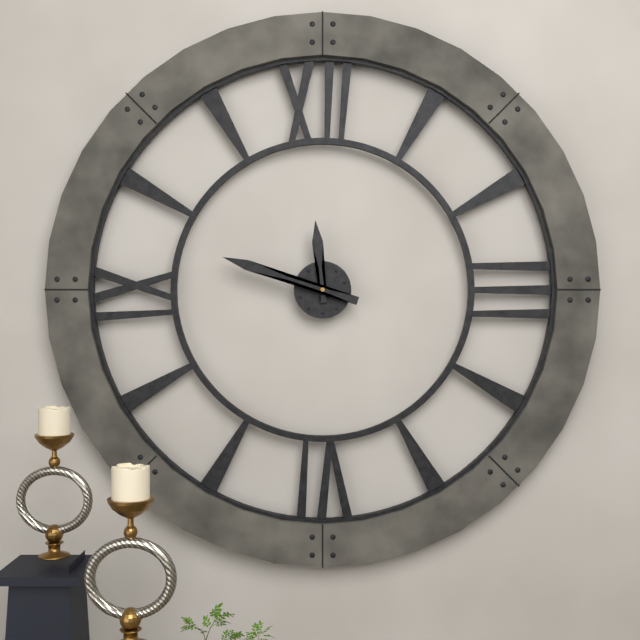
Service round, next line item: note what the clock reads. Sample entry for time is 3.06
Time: 11.48
